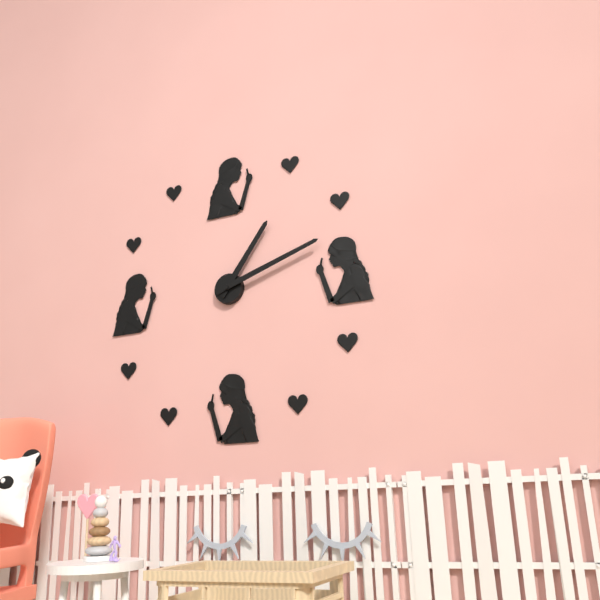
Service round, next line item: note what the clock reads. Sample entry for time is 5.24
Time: 1.12
